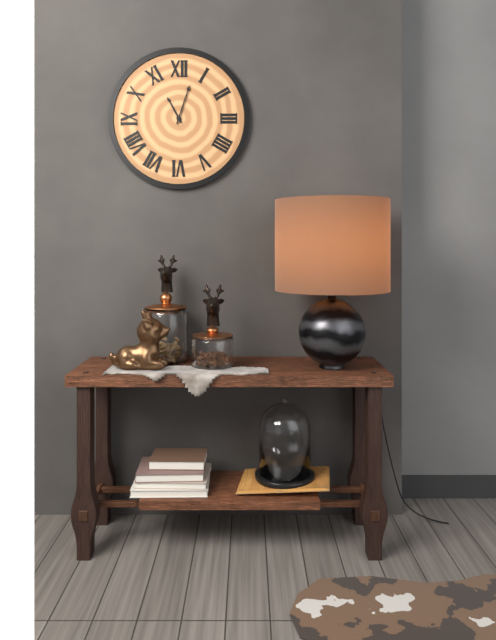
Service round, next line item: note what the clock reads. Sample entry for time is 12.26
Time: 11.03
